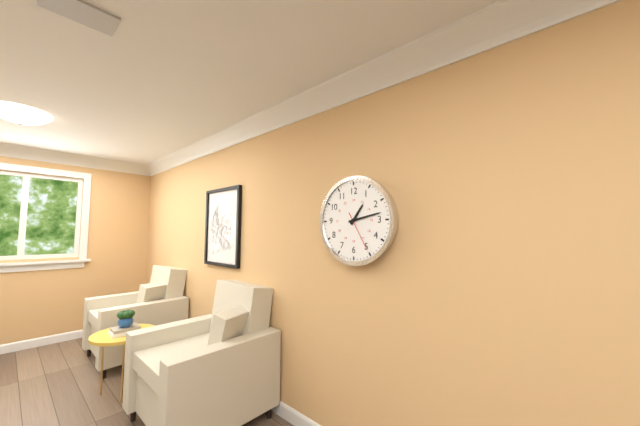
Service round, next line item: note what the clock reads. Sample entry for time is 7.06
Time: 1.13
